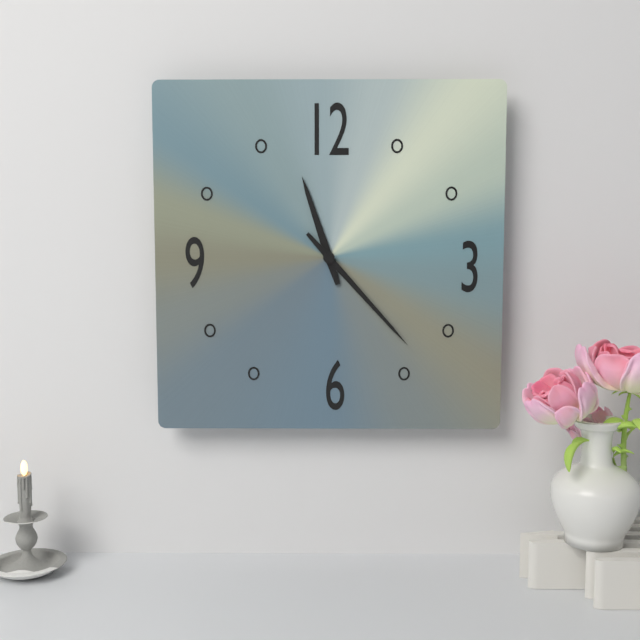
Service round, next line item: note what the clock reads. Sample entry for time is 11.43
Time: 11.23
